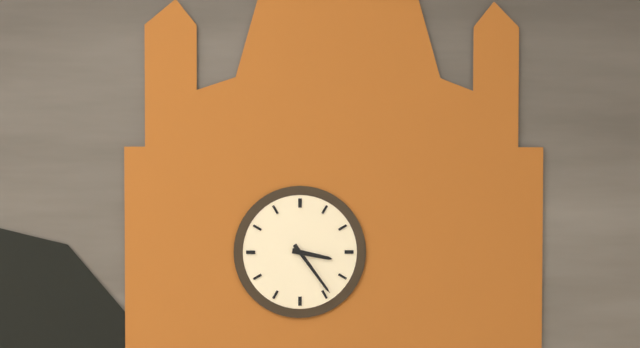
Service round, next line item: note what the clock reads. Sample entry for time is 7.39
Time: 3.24
